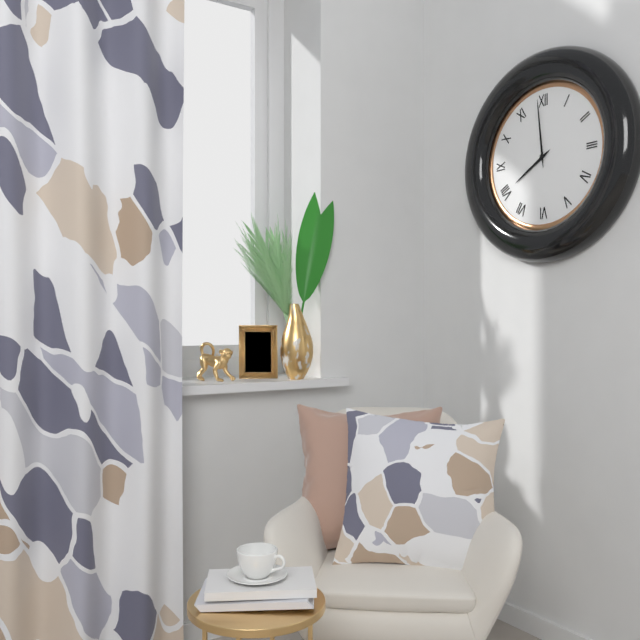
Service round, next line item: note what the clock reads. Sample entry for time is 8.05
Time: 7.59
